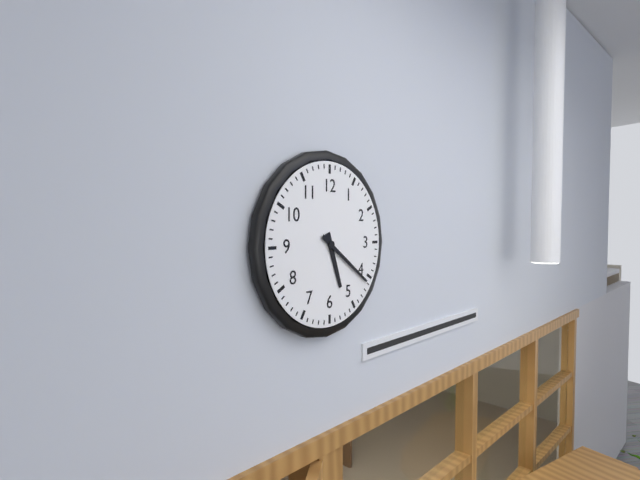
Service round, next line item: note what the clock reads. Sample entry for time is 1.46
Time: 5.21
